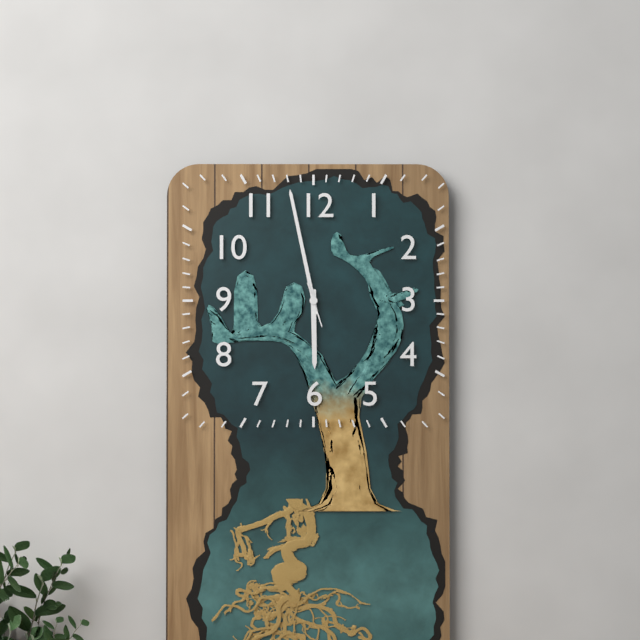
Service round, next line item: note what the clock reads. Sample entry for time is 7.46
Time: 5.58
